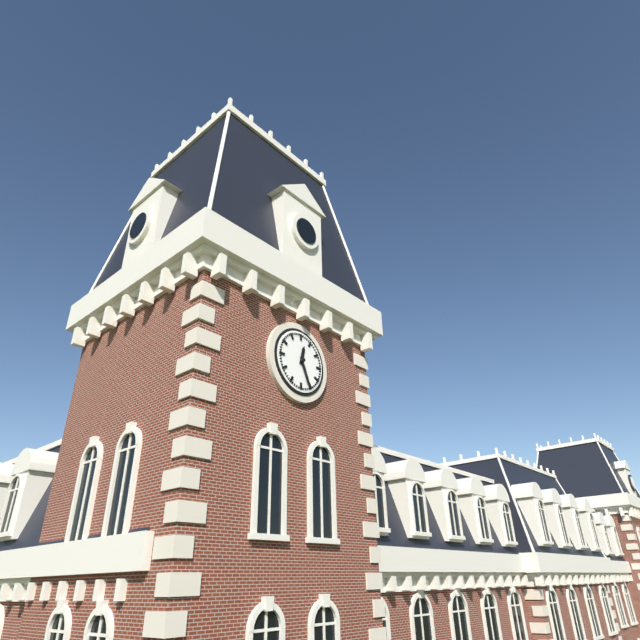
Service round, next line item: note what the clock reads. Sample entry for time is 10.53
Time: 12.26
